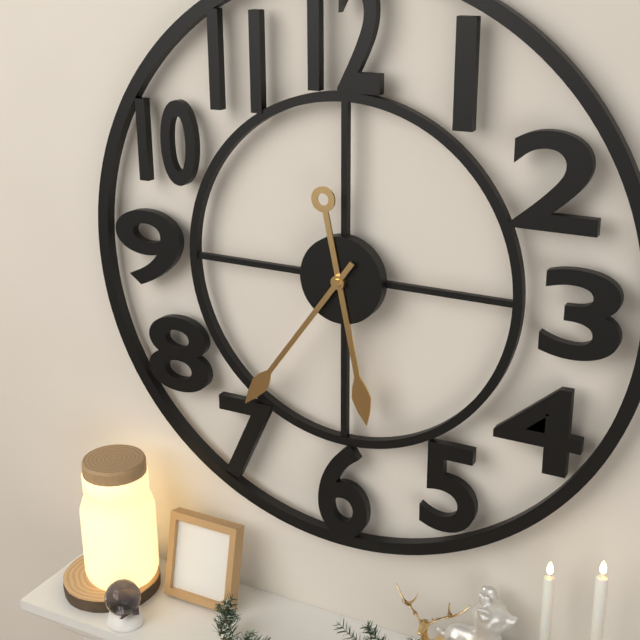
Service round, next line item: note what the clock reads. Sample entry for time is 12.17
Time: 5.36
